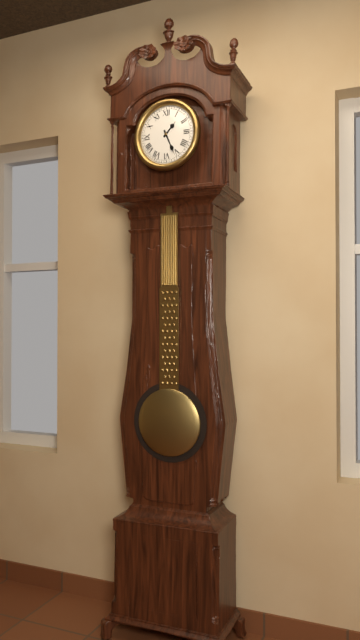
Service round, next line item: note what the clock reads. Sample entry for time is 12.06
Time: 1.26
